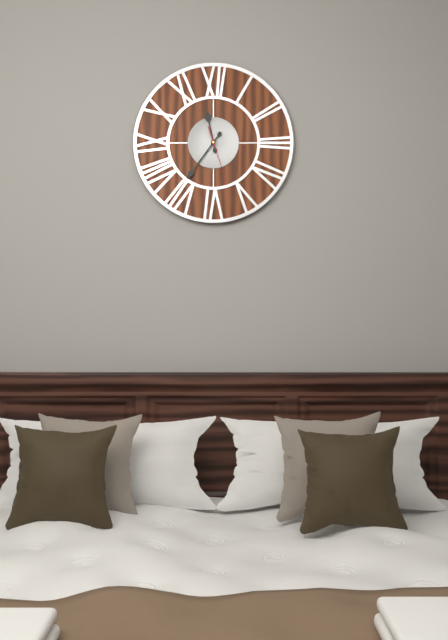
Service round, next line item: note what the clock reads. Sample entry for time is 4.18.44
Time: 11.36.27
